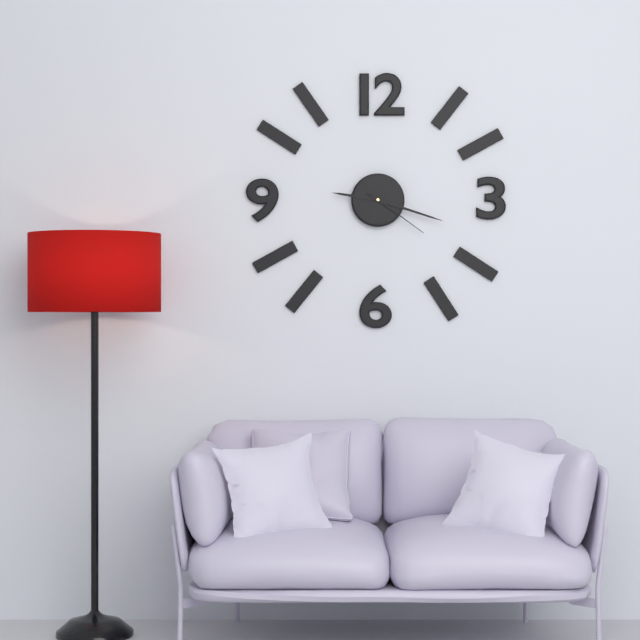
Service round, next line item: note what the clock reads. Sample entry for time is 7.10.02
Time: 9.18.21
